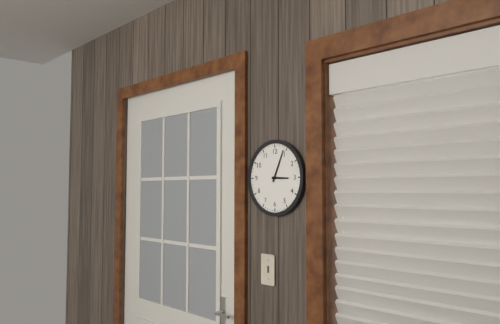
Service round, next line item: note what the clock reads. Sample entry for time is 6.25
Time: 3.04
